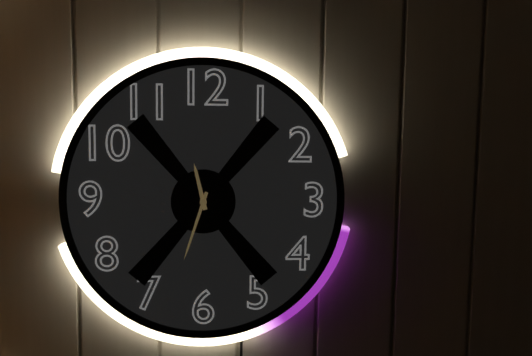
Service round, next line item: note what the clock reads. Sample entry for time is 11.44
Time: 11.33
